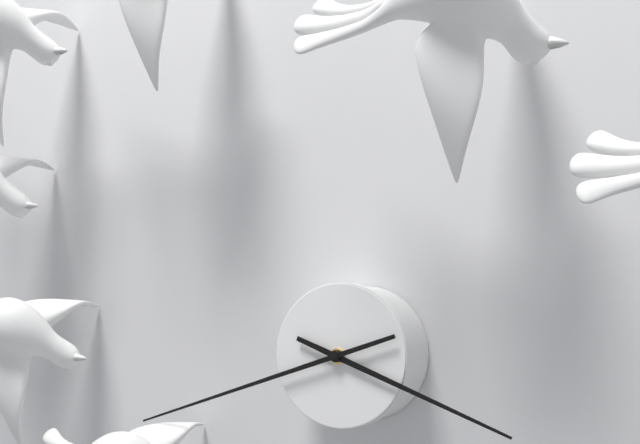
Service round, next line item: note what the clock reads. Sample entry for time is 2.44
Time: 3.42
